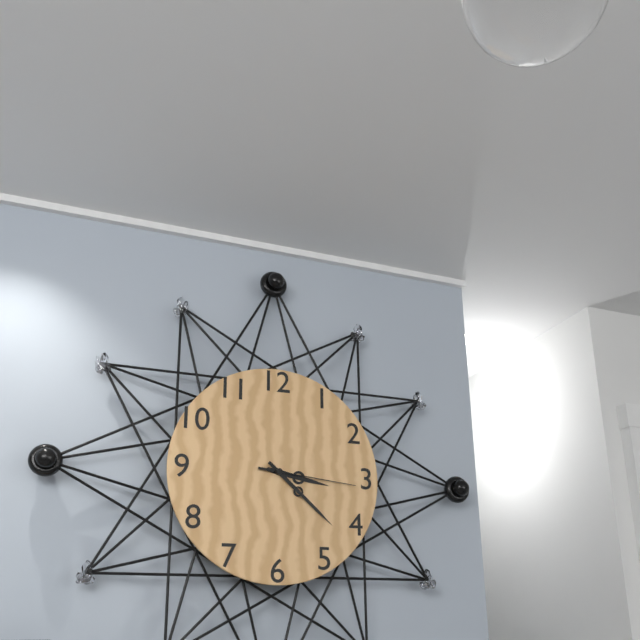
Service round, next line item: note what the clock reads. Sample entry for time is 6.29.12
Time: 3.22.16
